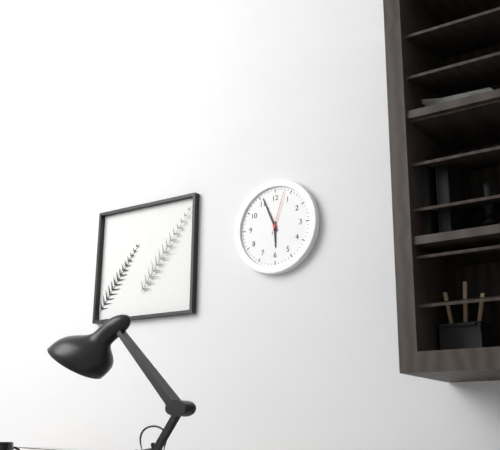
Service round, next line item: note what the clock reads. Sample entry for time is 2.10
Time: 5.56
